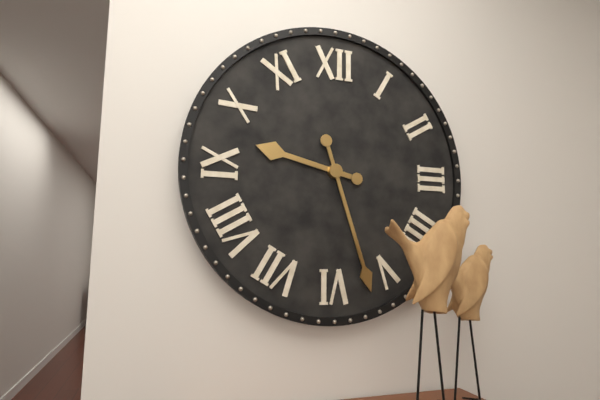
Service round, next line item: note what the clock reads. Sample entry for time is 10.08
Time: 9.27
